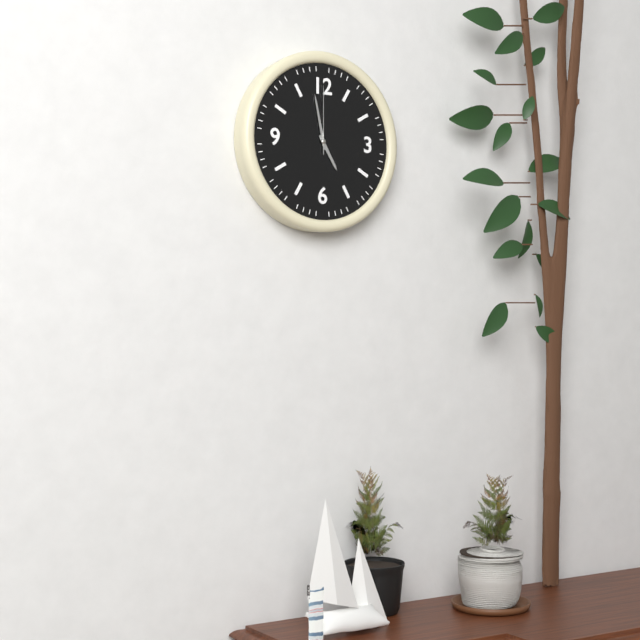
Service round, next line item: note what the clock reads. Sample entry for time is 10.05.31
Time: 4.58.00
